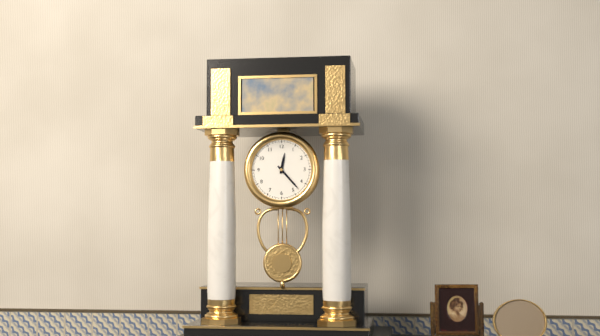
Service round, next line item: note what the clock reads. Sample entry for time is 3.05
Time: 12.23
